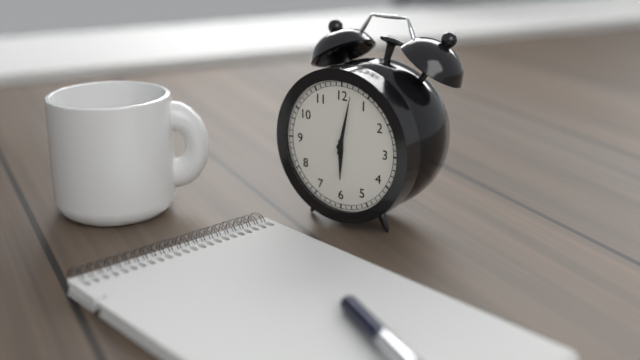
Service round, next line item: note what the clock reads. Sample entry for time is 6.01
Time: 6.02
